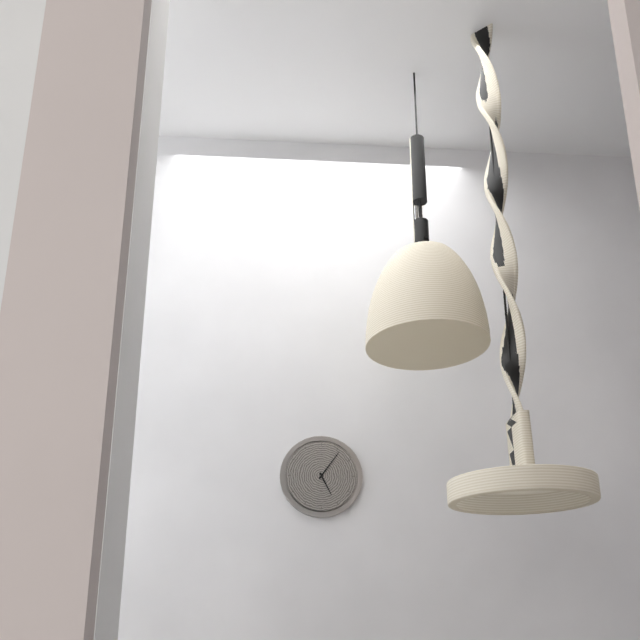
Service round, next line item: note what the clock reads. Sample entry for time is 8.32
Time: 5.06
